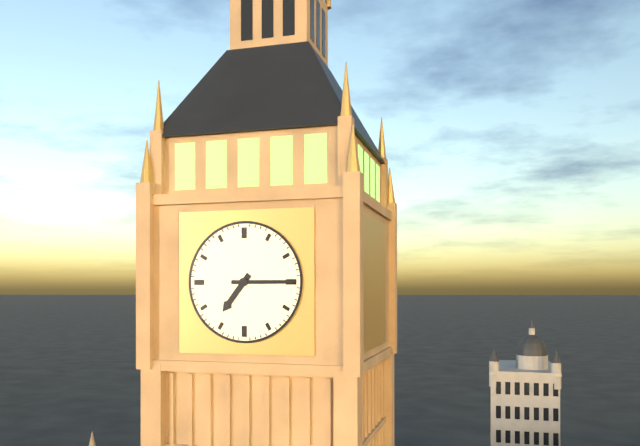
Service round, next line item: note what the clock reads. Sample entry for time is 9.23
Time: 7.15
